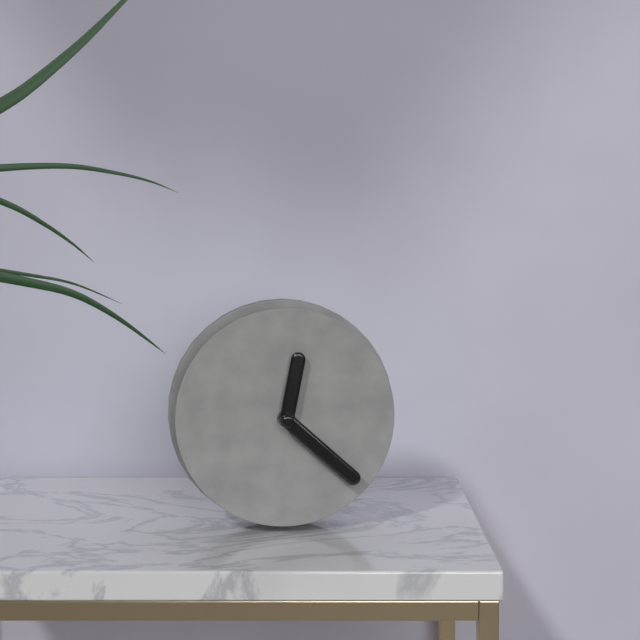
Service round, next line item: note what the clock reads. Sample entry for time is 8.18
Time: 12.22
